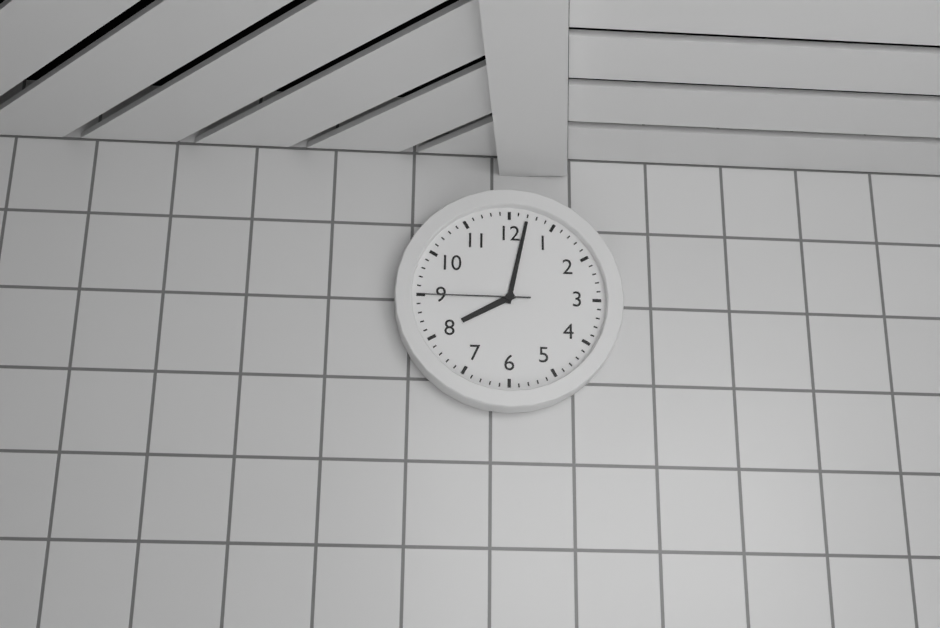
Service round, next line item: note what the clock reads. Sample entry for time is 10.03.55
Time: 8.02.45
